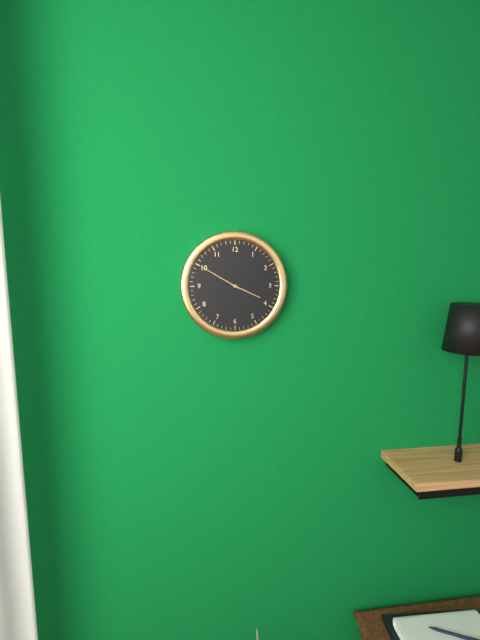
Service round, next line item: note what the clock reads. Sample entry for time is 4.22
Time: 3.50
